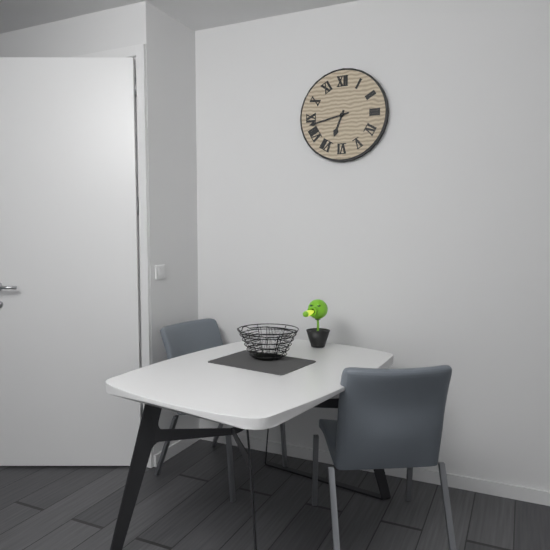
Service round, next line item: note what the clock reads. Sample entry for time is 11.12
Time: 6.43
